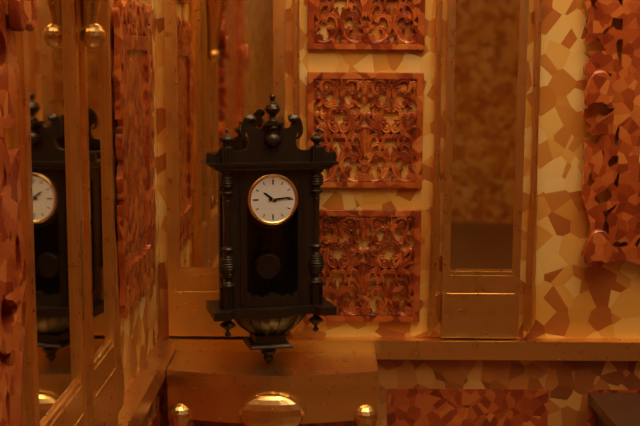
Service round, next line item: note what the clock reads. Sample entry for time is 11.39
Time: 10.14
